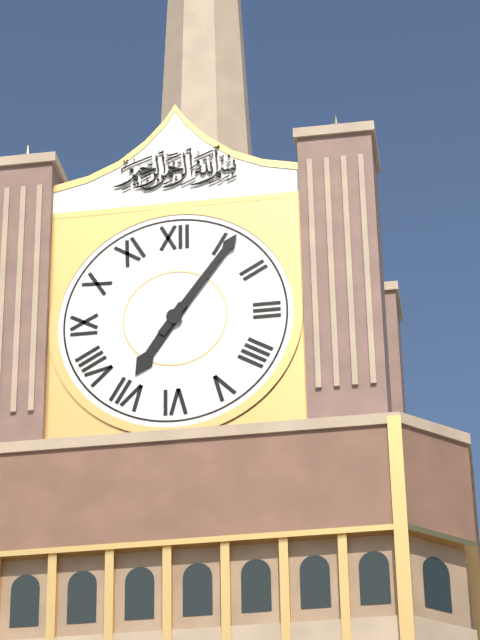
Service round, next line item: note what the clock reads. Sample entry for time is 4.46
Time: 7.06
